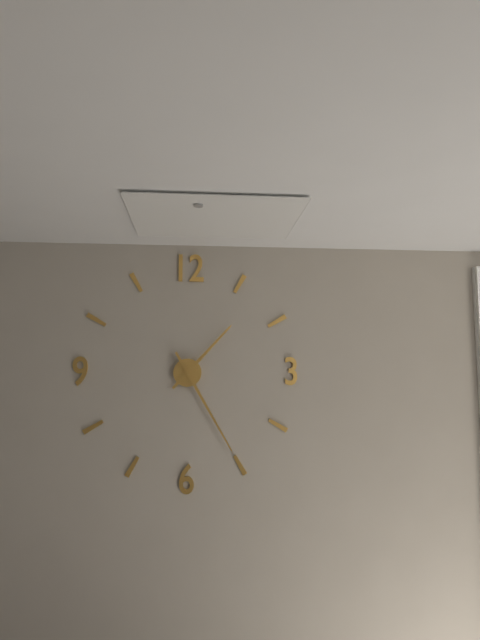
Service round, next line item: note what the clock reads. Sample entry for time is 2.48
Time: 1.25
